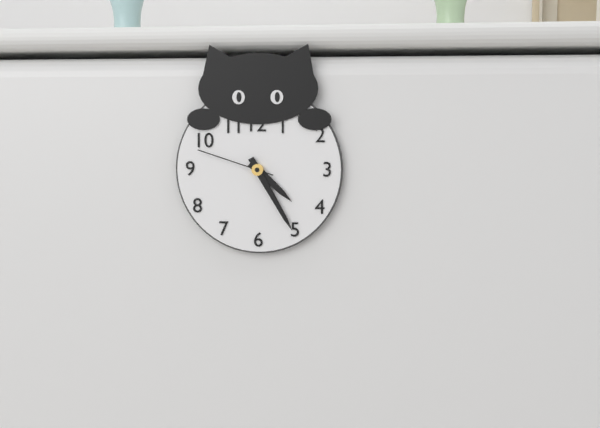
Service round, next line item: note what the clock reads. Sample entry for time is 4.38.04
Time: 4.25.48
